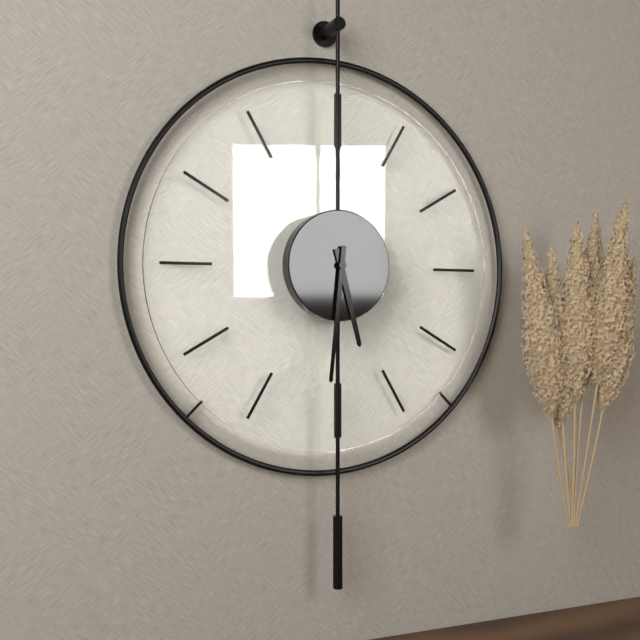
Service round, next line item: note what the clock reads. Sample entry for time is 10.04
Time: 5.31
